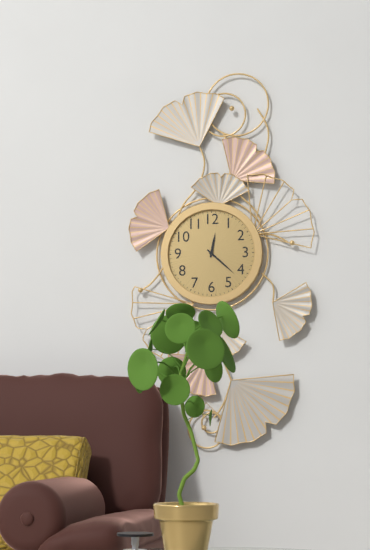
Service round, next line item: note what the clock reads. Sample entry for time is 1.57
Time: 12.22
